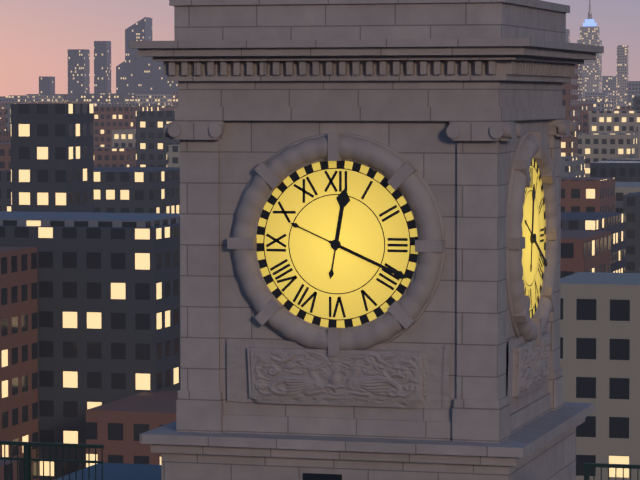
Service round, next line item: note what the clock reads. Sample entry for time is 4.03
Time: 12.19
